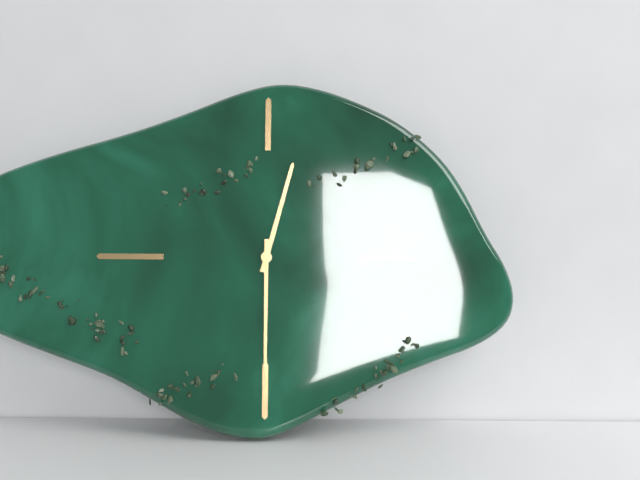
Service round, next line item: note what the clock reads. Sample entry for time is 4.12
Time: 12.30
